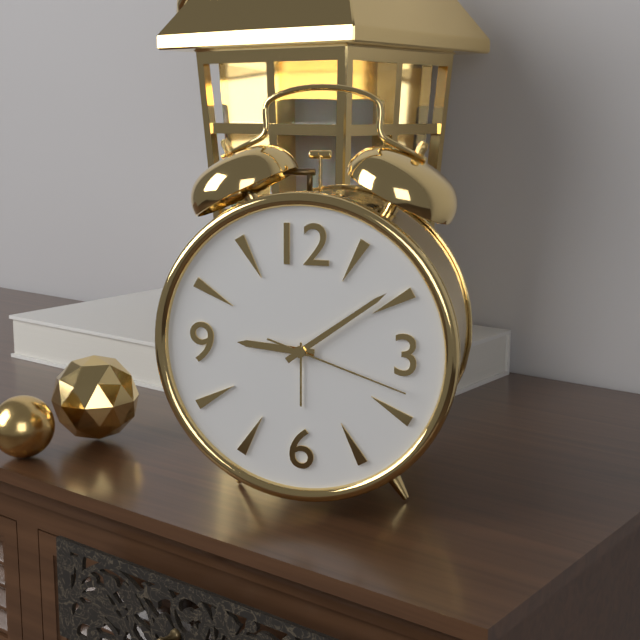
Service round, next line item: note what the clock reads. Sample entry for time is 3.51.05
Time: 9.09.18
